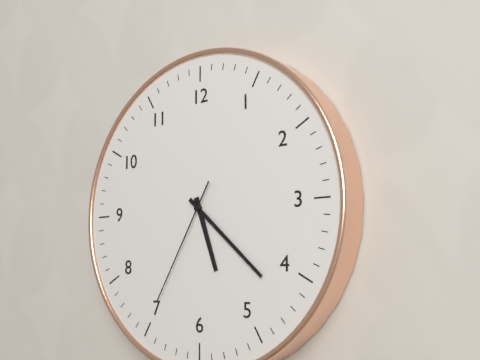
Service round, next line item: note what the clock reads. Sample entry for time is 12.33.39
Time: 5.22.35
